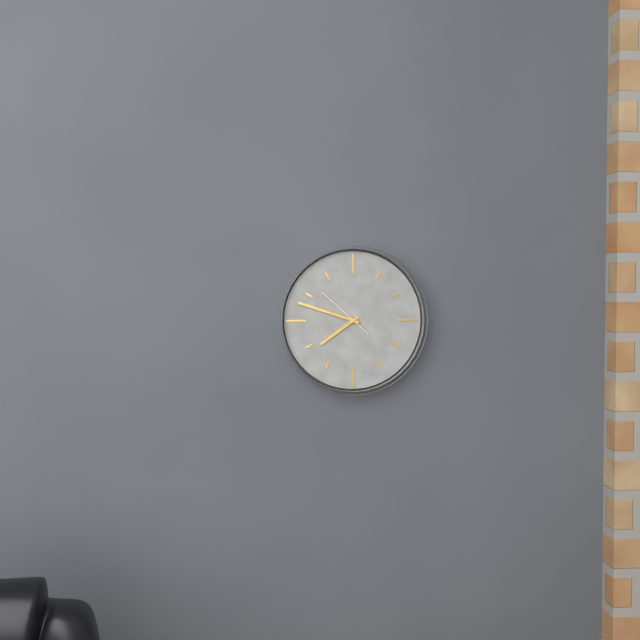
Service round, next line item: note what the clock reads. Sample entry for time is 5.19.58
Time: 7.48.52
